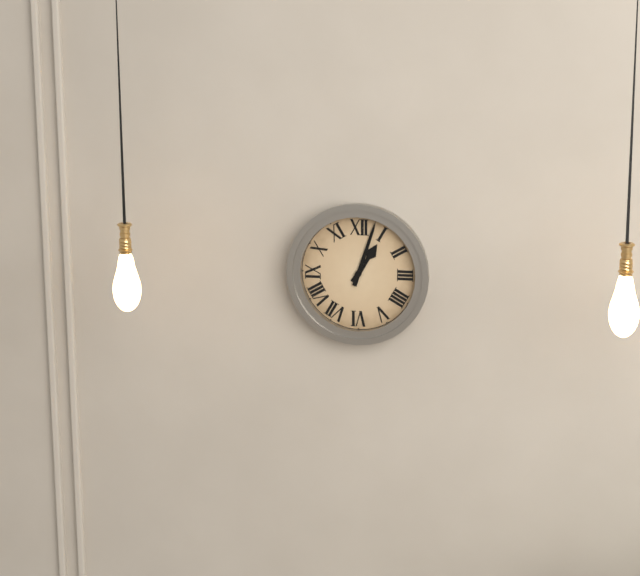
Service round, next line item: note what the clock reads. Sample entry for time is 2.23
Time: 1.03
